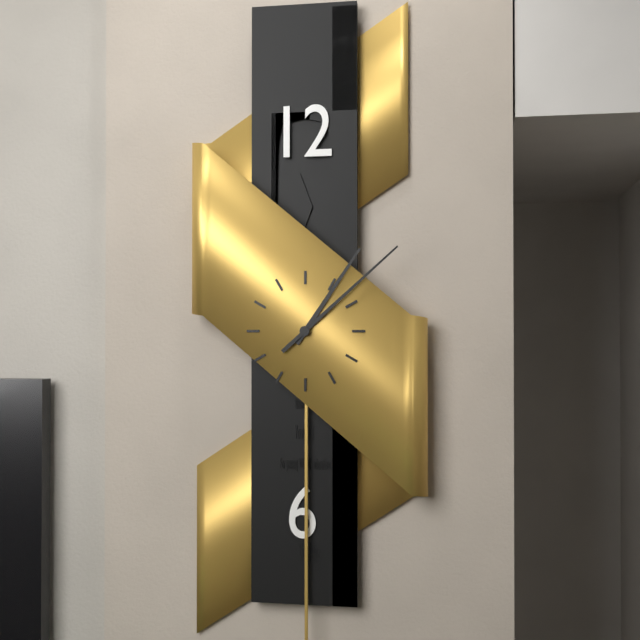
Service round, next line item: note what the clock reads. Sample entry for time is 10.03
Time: 1.08
